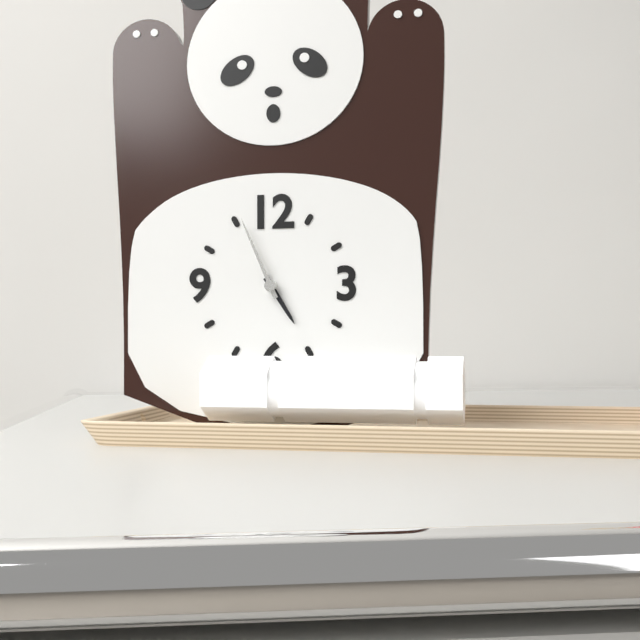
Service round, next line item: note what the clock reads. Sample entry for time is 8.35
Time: 4.56
